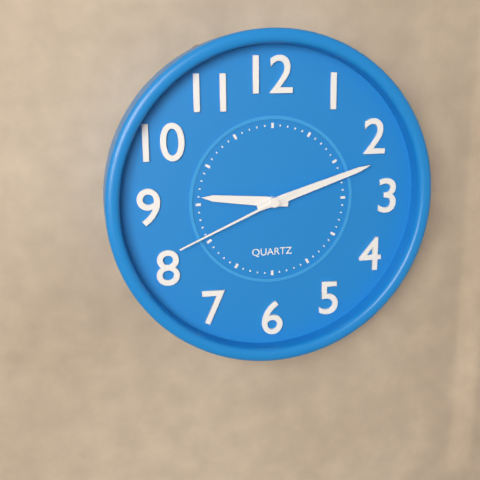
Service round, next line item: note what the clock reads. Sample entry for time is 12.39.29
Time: 9.12.41
